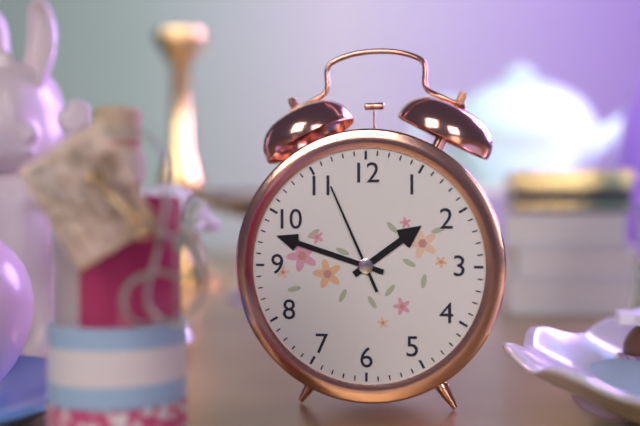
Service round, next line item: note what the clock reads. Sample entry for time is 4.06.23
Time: 1.48.56
